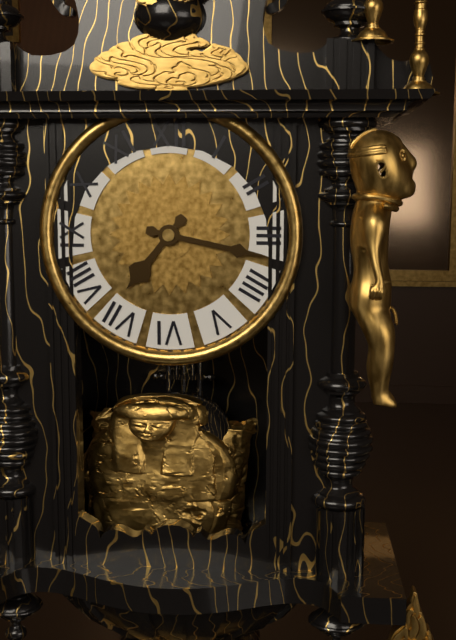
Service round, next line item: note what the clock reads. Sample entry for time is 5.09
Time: 7.17
